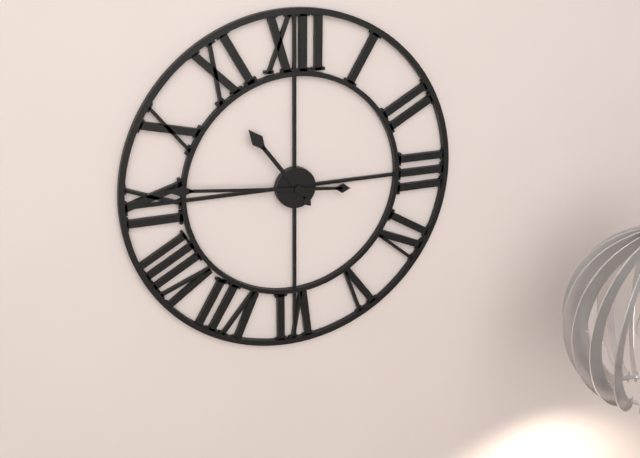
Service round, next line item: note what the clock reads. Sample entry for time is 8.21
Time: 10.46
